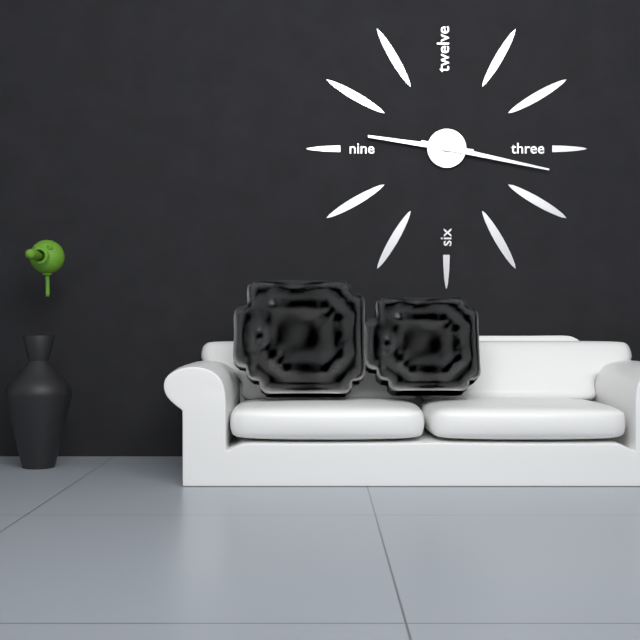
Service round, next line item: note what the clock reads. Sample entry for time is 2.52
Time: 9.17
